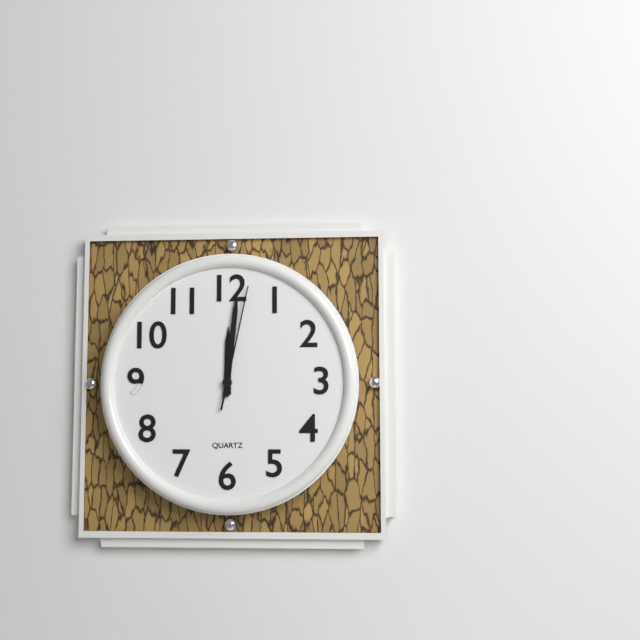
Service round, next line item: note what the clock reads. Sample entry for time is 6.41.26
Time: 12.01.02
